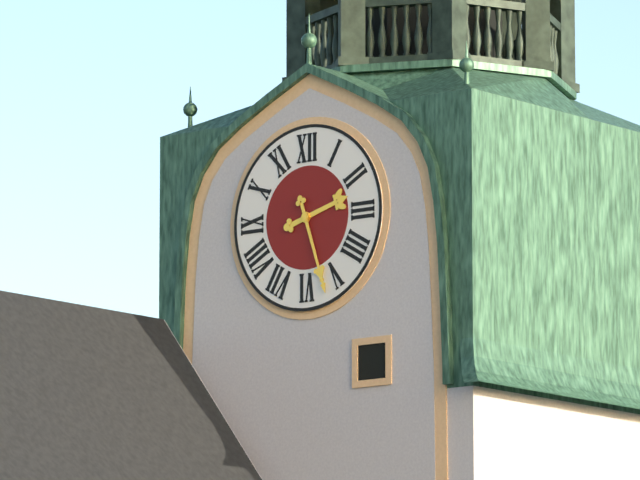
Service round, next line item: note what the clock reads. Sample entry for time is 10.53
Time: 2.27
